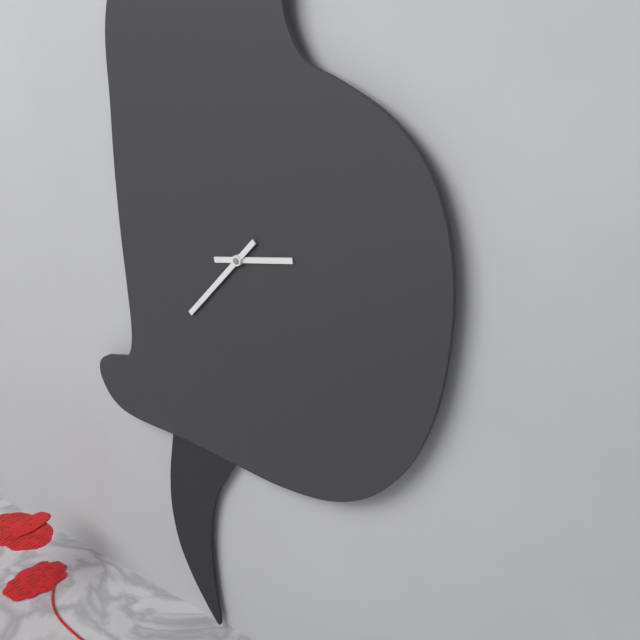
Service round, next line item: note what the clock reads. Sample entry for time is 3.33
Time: 2.37
